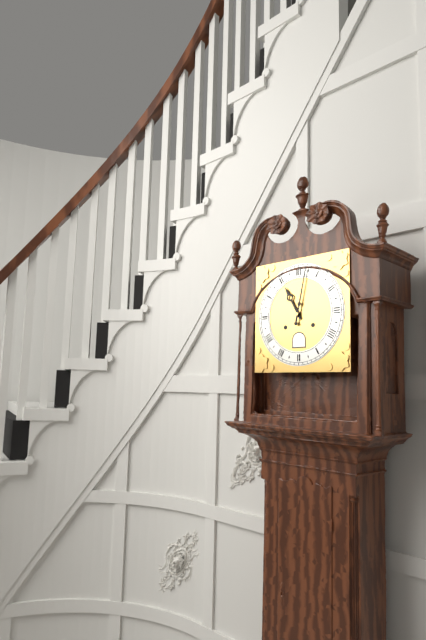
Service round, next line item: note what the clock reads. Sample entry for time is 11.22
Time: 11.02
